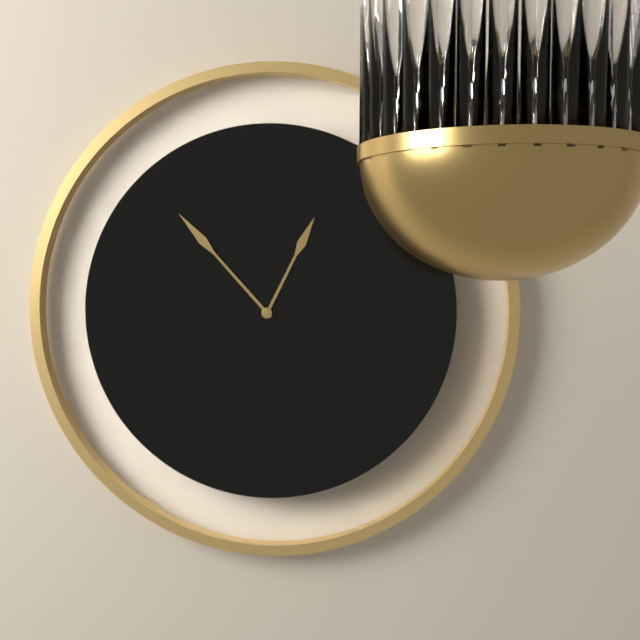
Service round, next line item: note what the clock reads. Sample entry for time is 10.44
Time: 12.53
